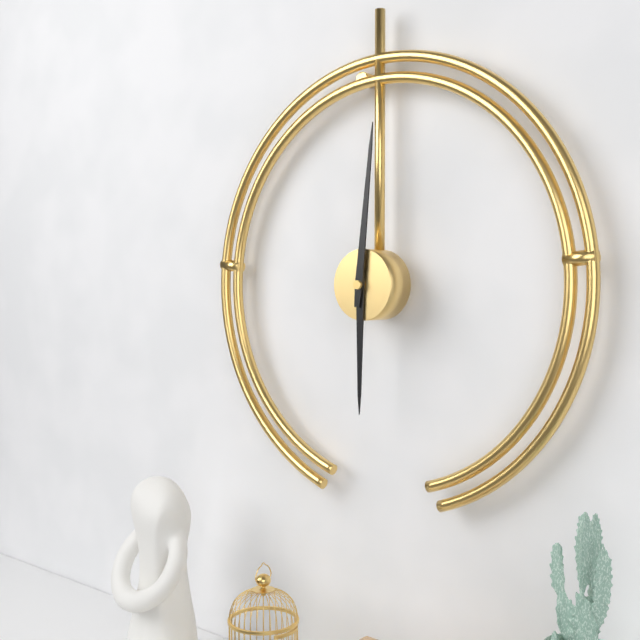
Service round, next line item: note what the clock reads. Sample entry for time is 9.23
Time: 6.01
